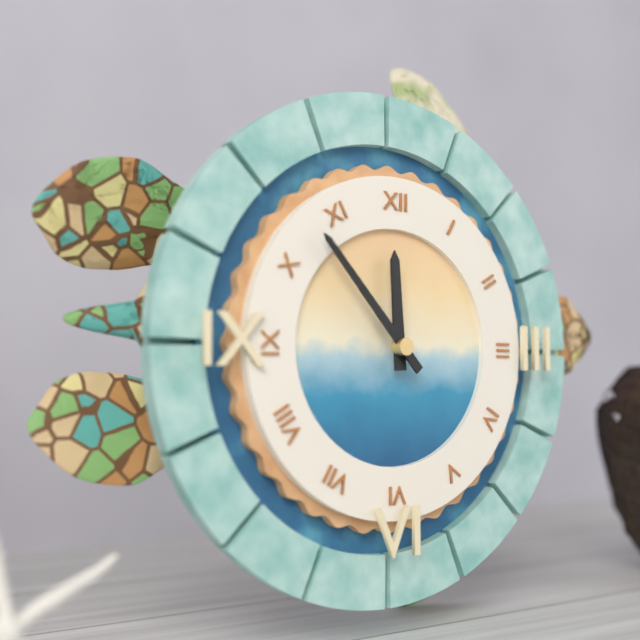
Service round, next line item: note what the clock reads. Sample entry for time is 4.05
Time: 11.53
